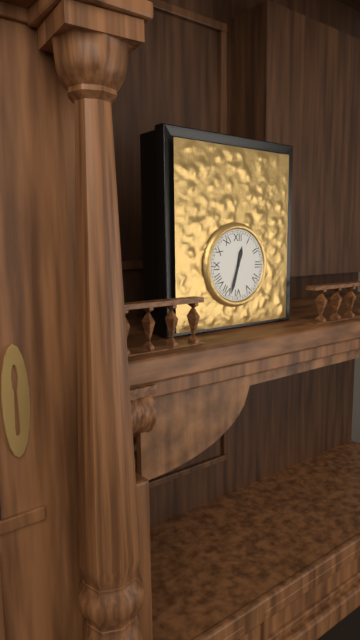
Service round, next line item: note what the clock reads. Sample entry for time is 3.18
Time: 12.33
